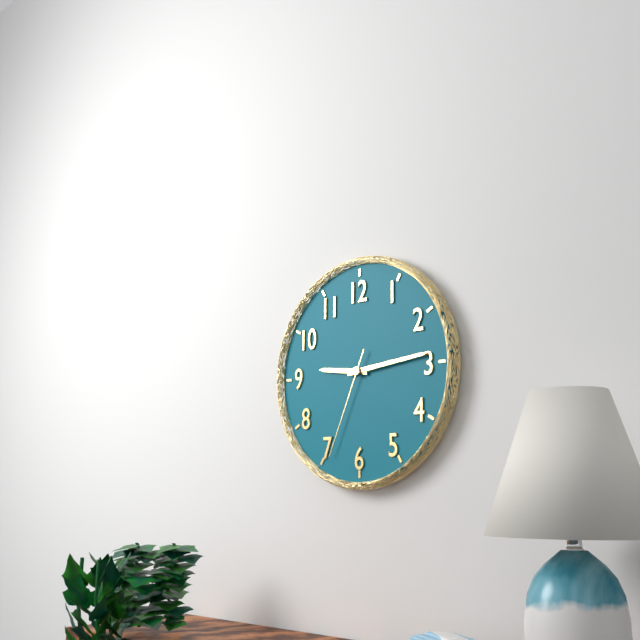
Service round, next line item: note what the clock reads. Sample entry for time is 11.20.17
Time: 9.14.34
